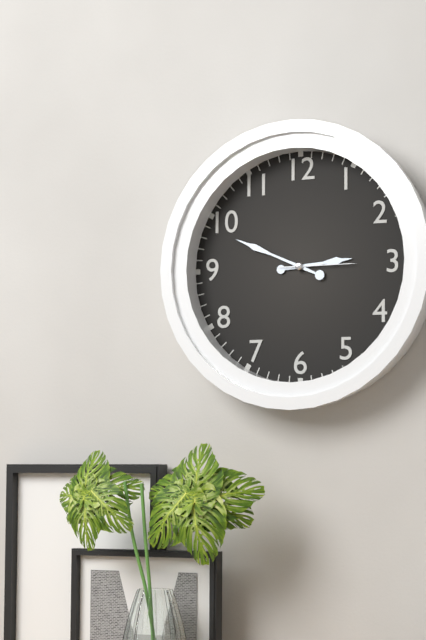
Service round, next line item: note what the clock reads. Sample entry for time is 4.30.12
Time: 2.49.15
